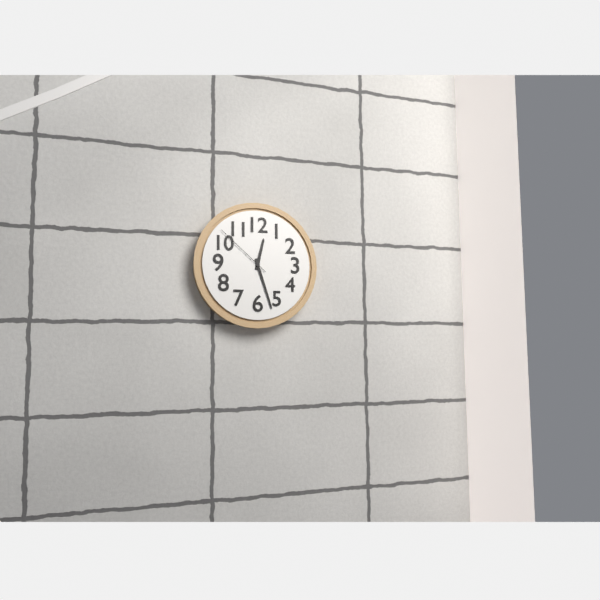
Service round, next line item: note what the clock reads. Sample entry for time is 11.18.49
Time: 12.27.52
